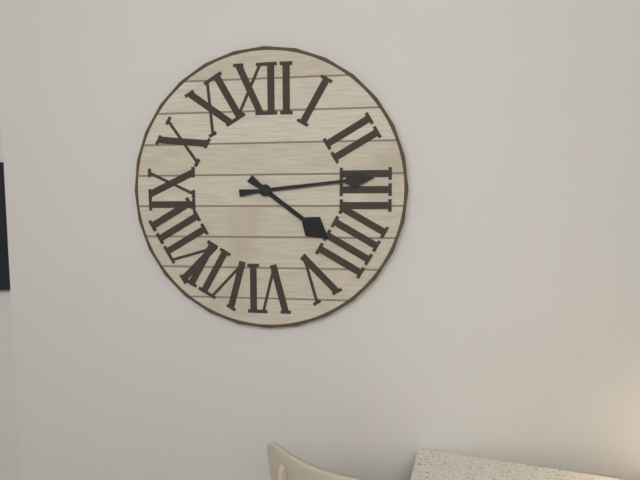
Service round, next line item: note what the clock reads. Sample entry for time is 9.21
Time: 4.14
